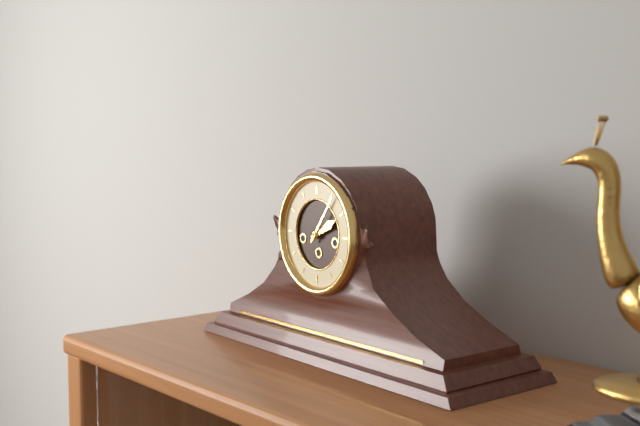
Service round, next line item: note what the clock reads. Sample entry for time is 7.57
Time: 2.06
